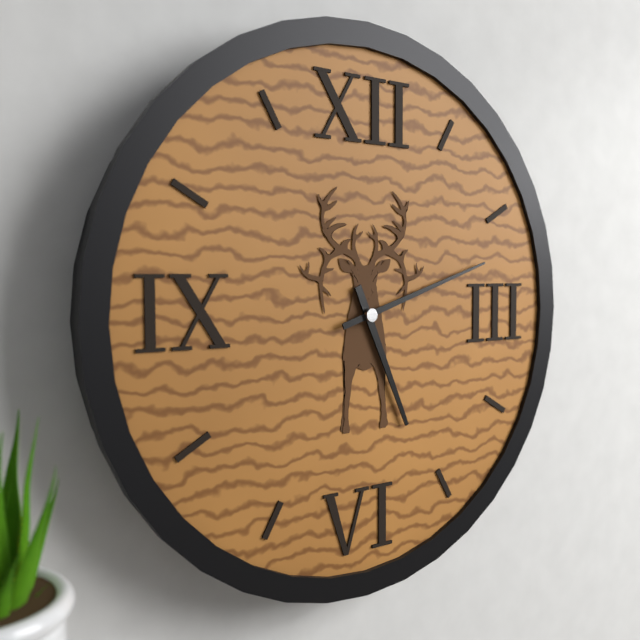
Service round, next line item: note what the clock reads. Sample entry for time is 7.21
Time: 5.12
